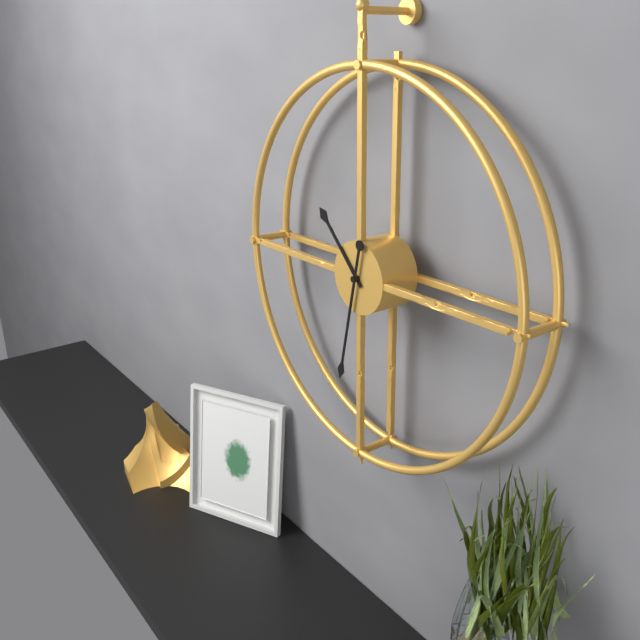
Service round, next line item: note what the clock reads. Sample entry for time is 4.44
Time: 10.32
